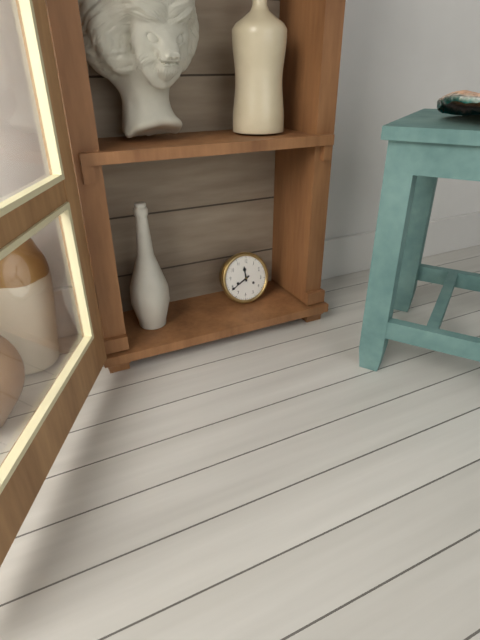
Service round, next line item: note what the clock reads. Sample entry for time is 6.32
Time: 11.39
